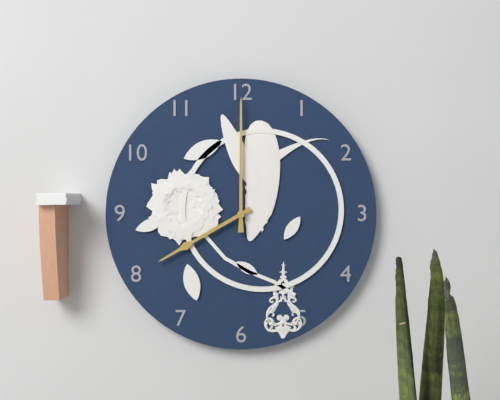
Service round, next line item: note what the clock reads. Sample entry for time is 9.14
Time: 8.00
